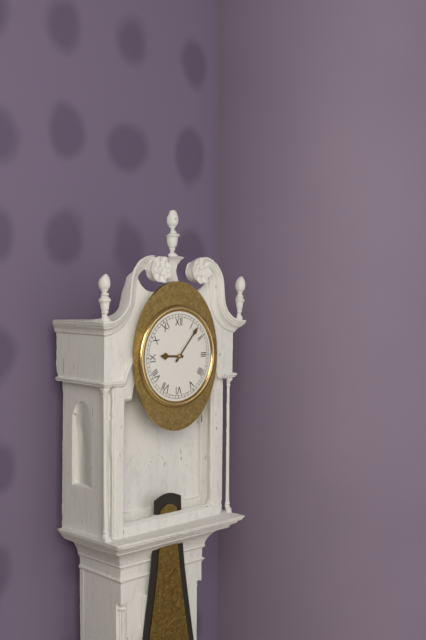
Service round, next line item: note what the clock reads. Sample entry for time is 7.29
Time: 9.07
